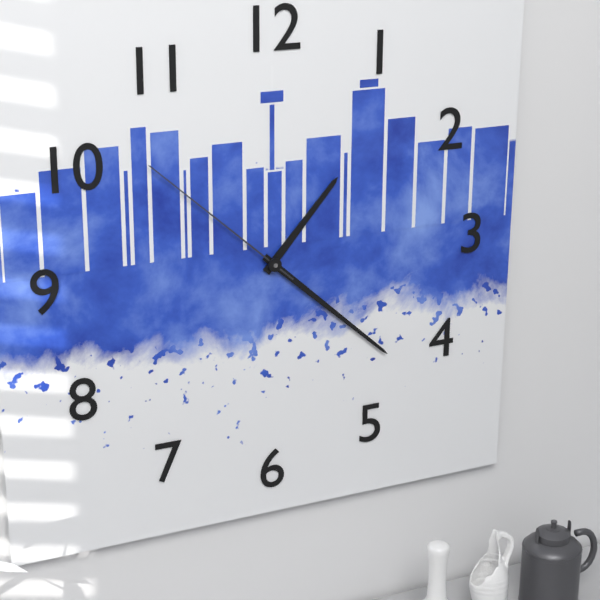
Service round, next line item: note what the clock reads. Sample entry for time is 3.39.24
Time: 1.22.52
